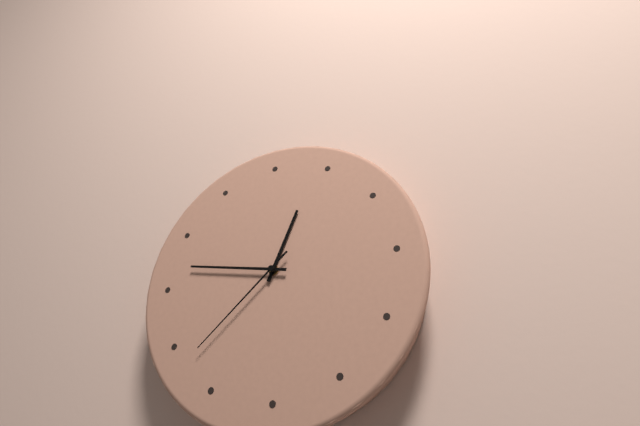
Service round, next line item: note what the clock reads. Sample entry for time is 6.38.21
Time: 12.47.38
